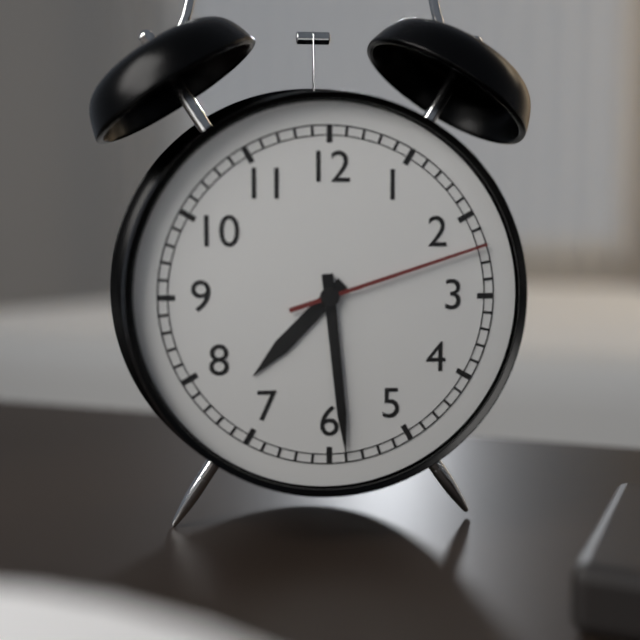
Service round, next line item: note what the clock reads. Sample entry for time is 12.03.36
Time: 7.29.12
